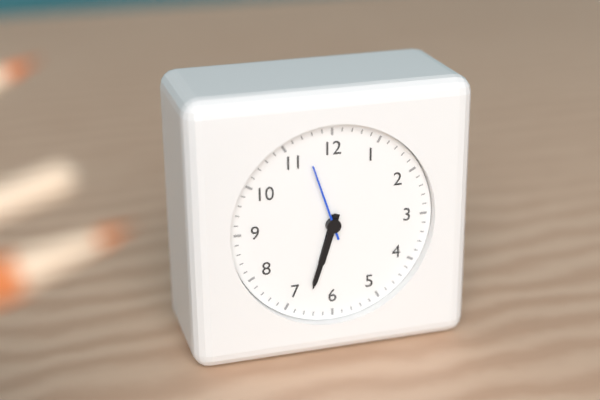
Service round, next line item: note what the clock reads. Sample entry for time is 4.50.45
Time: 6.33.57
